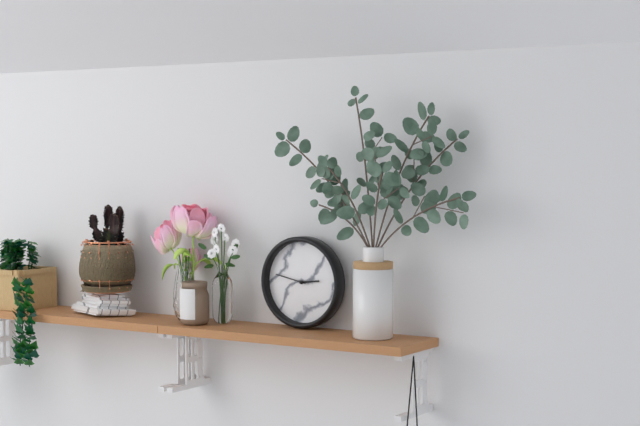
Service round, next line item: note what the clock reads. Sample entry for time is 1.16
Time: 2.47
